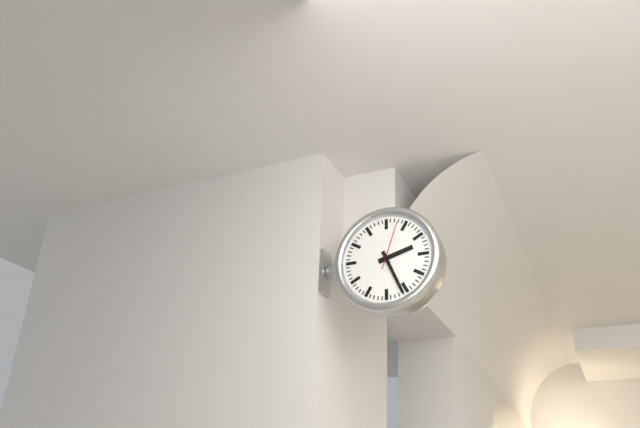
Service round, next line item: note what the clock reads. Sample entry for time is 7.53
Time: 2.26
